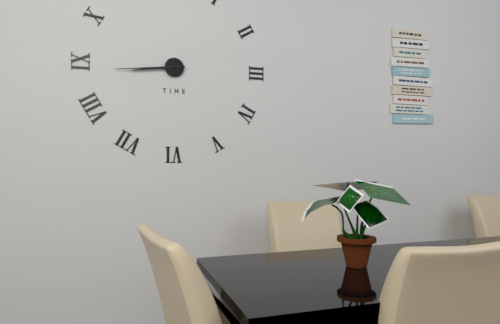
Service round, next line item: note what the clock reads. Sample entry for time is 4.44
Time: 8.44
